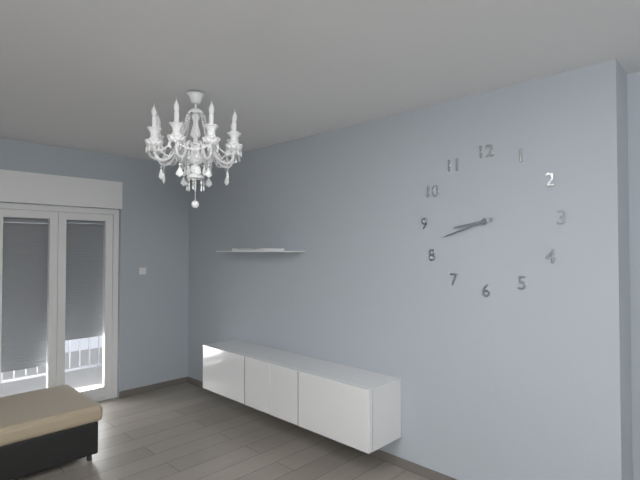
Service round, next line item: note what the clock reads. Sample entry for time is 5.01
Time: 8.42
